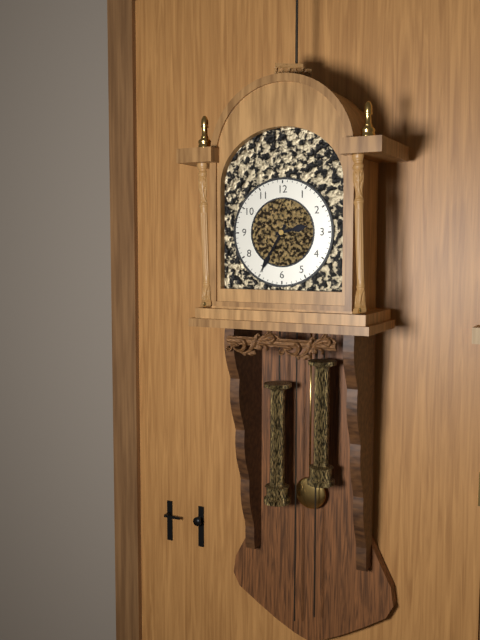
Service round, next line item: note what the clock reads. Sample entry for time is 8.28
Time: 2.35
